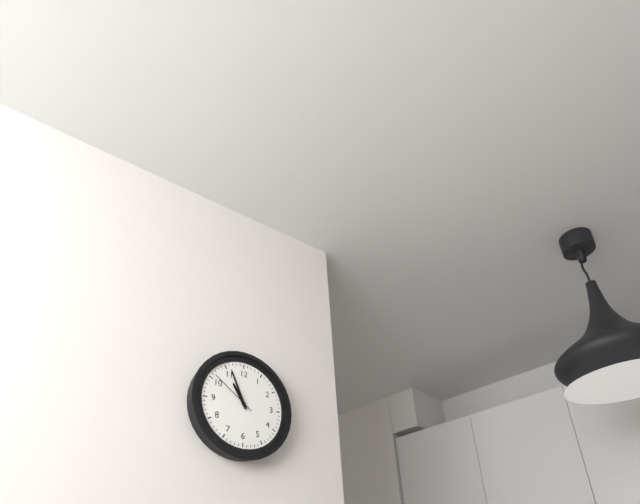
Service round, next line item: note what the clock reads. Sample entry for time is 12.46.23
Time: 10.56.51
